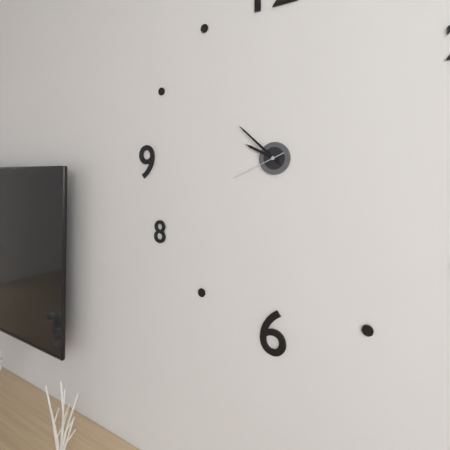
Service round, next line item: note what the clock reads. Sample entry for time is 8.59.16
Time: 9.52.41
